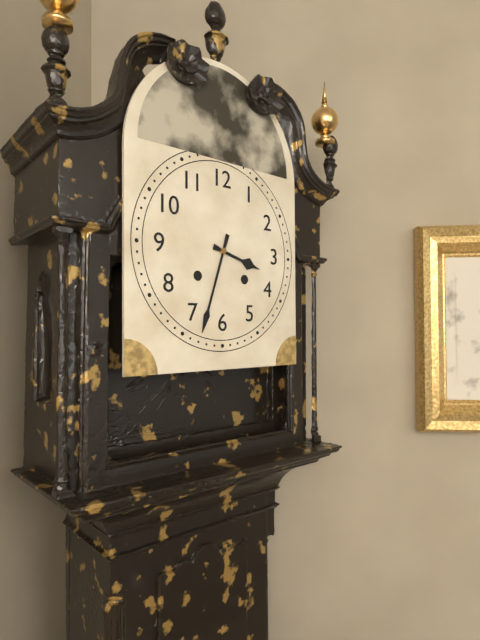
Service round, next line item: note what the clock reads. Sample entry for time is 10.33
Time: 3.33
